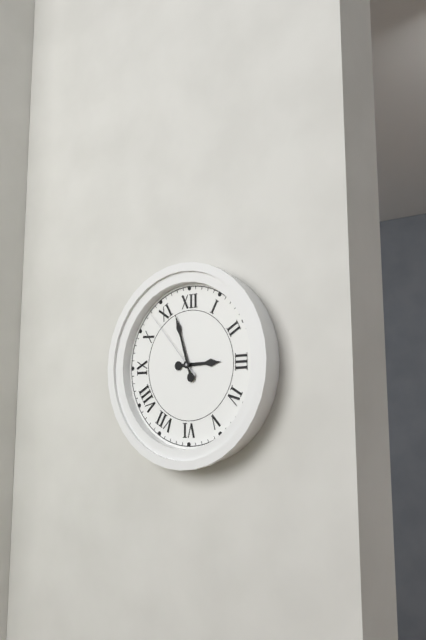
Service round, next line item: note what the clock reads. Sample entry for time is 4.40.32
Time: 2.57.53
